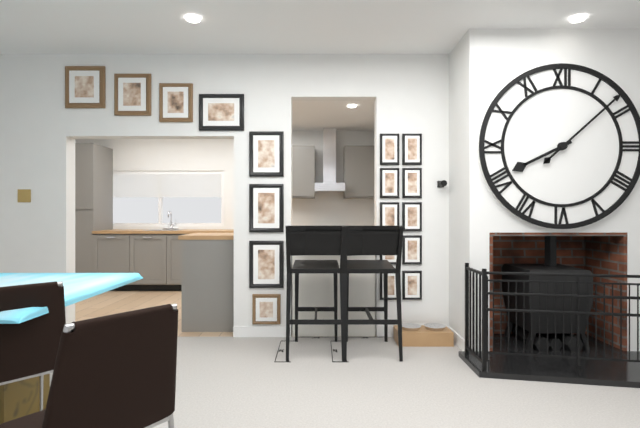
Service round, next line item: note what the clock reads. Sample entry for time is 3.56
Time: 8.08
